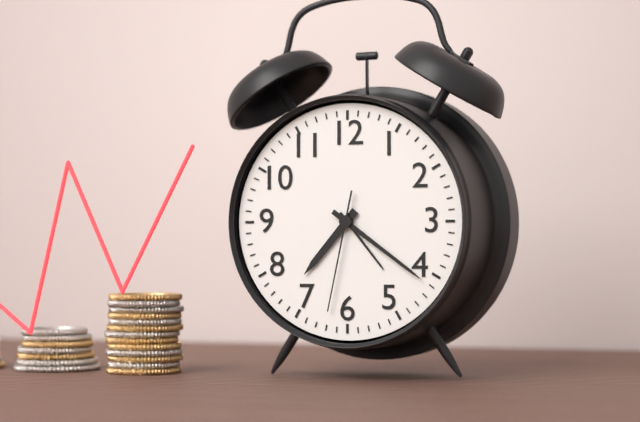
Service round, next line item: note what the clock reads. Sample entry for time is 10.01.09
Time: 7.21.32
